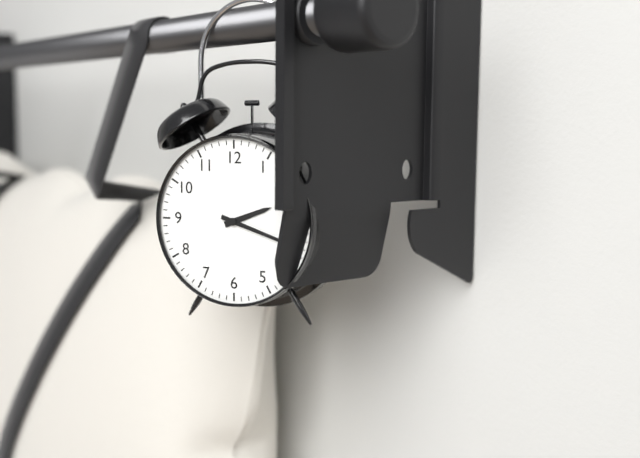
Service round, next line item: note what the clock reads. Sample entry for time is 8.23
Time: 2.18
